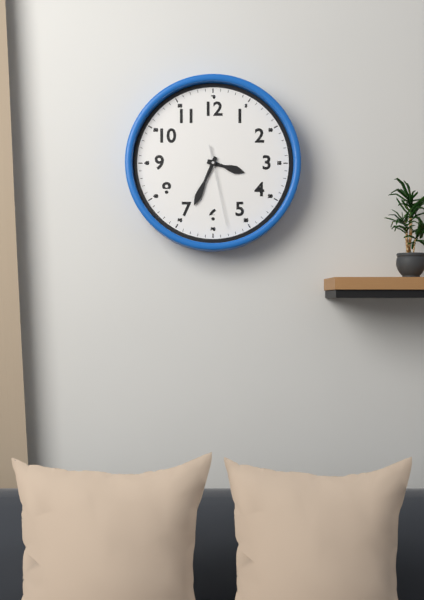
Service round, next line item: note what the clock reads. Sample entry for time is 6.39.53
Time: 3.34.28
